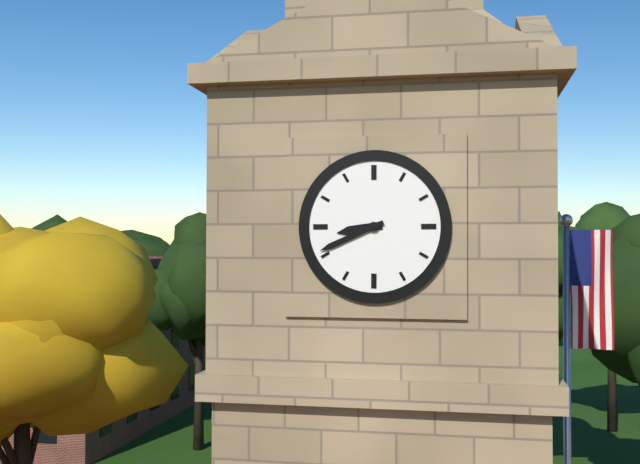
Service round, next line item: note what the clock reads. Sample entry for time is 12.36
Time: 8.41
